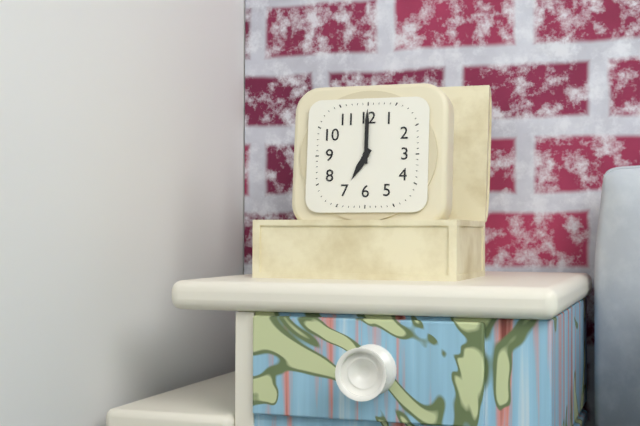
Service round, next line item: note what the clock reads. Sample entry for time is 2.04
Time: 7.00
